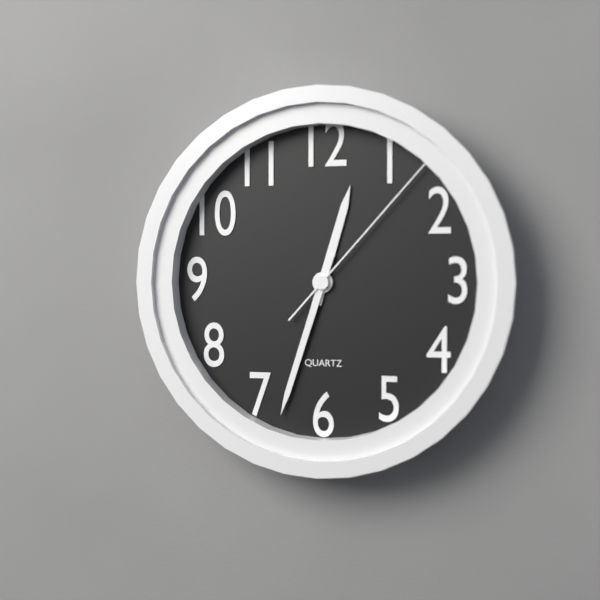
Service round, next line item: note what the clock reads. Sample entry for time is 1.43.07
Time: 12.33.07
